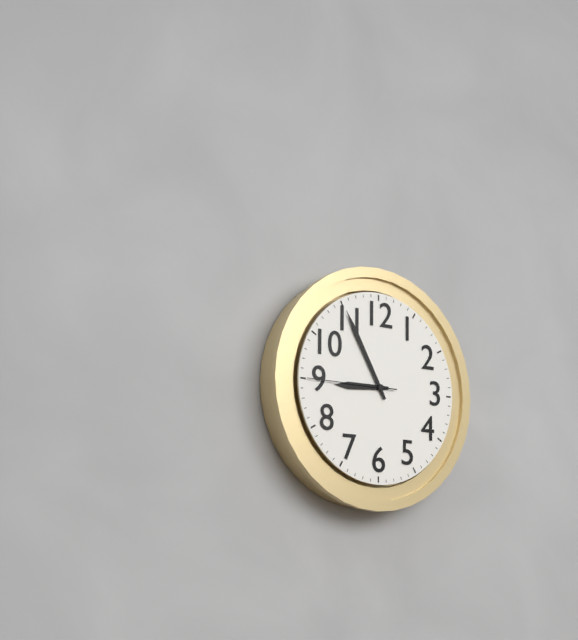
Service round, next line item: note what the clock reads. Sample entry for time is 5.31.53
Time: 8.55.45
